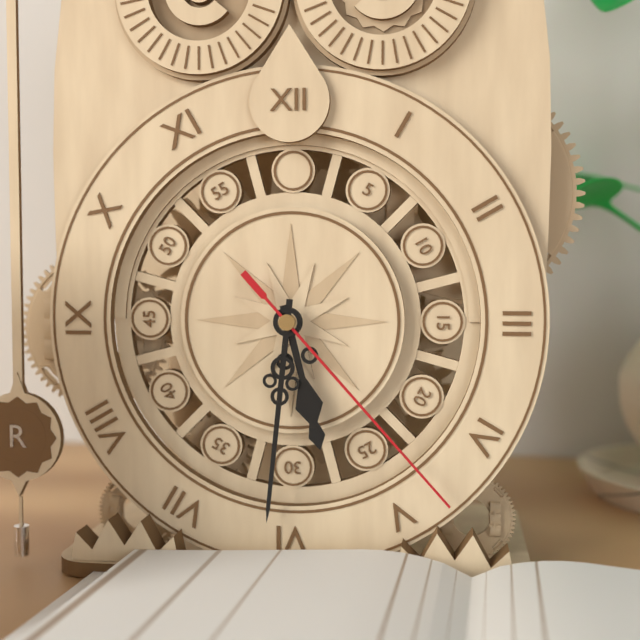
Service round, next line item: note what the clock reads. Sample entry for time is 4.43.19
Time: 5.31.23
